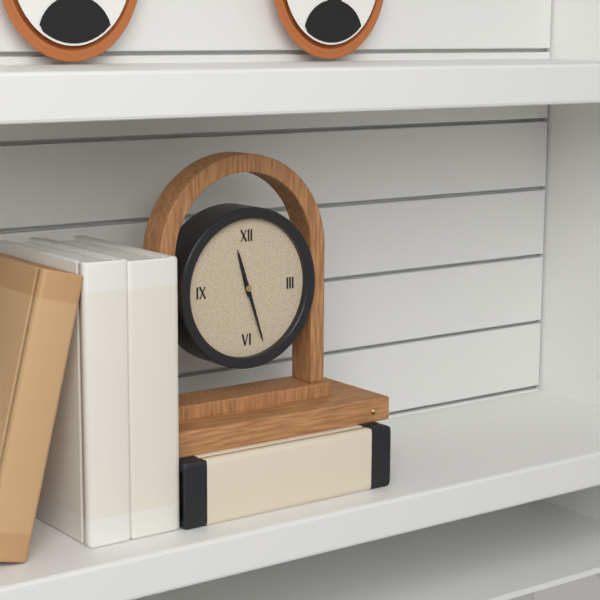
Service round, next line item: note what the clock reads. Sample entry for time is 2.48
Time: 11.27
